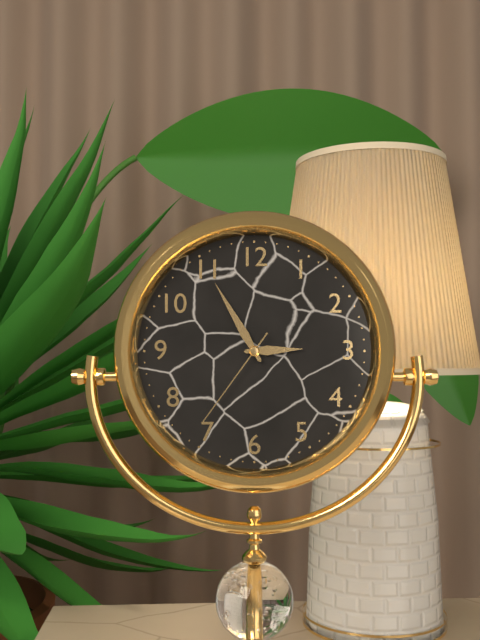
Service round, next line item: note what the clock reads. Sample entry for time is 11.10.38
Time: 2.55.36
